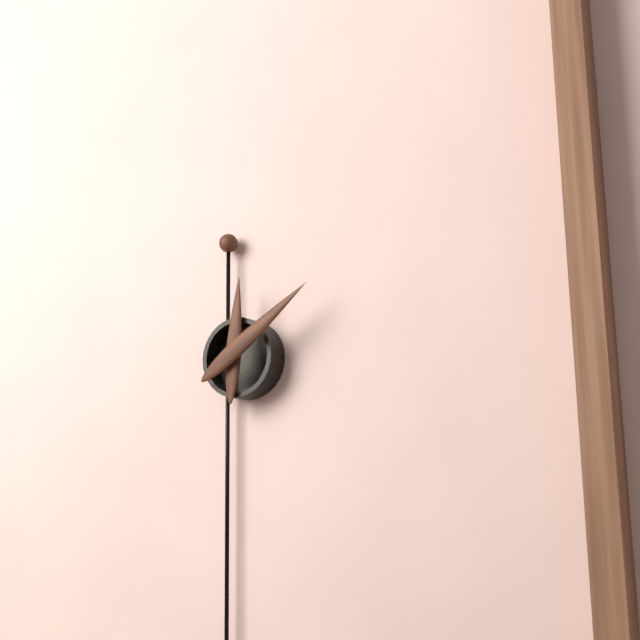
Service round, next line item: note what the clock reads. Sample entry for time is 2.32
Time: 12.09
